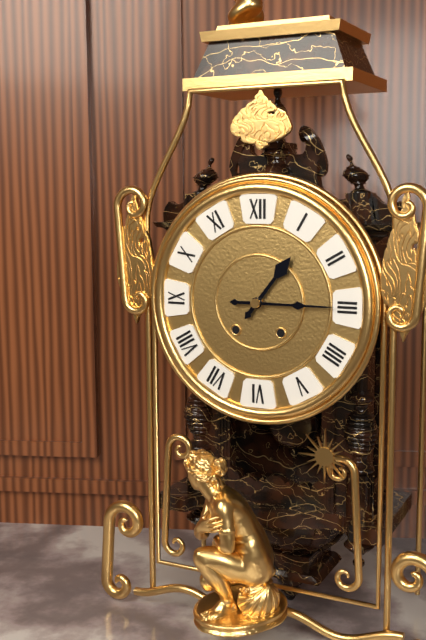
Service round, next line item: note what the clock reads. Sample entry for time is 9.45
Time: 1.15
